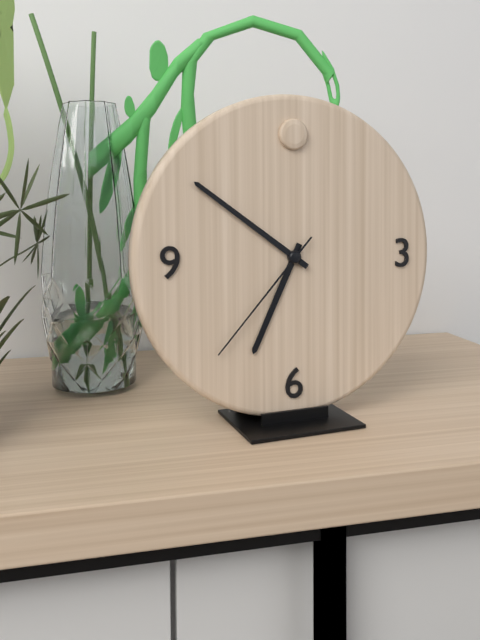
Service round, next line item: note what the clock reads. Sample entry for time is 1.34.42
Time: 6.51.37
